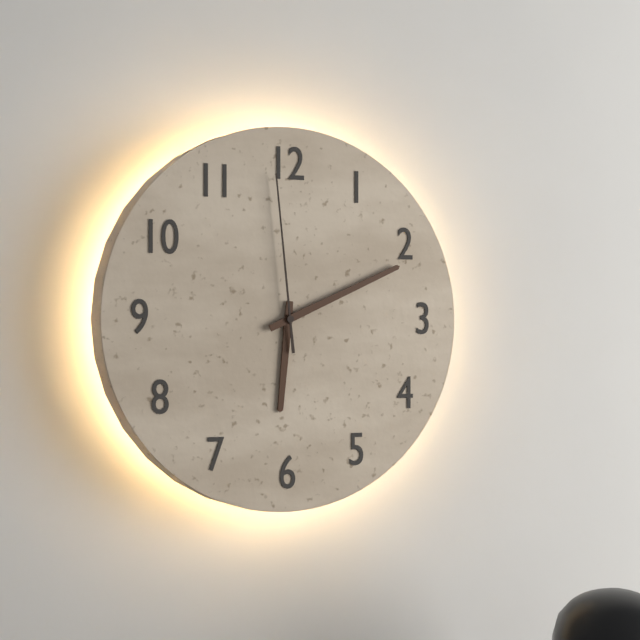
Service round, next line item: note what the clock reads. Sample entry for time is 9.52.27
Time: 6.11.59
